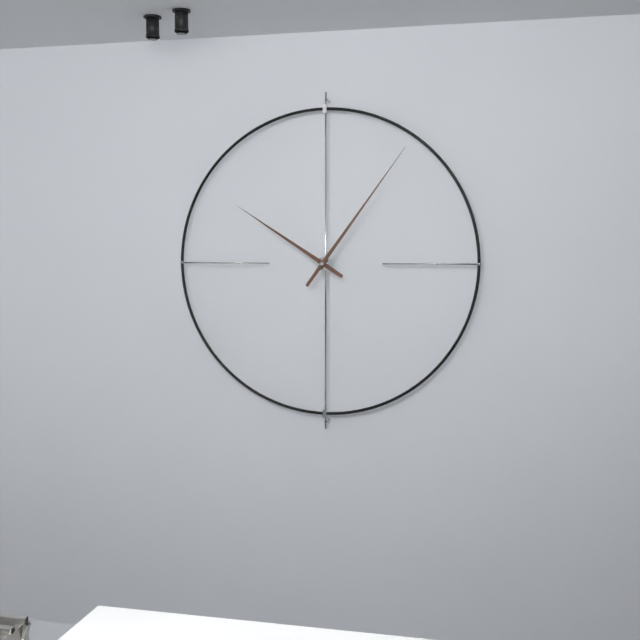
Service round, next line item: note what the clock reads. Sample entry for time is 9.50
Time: 10.06
